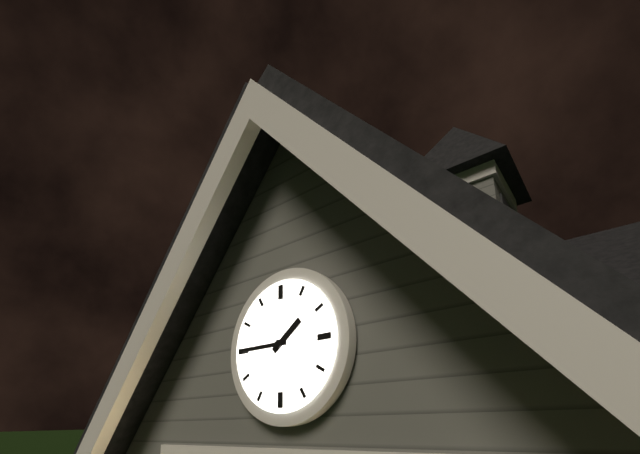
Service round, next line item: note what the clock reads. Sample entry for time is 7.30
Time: 1.45
